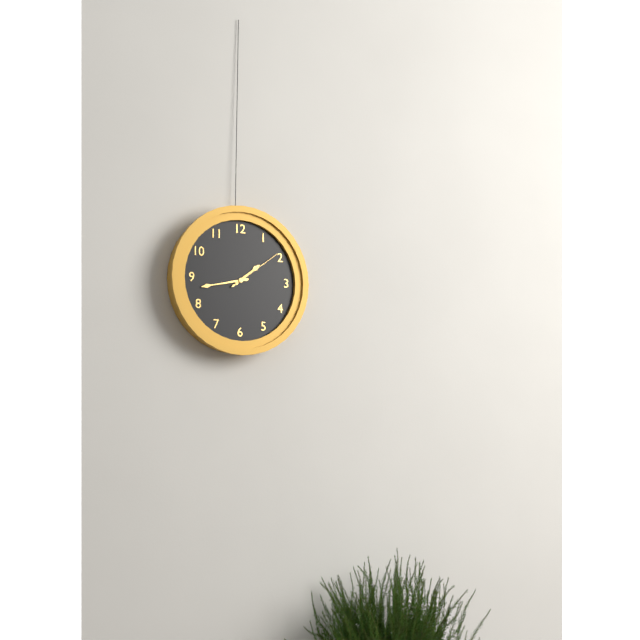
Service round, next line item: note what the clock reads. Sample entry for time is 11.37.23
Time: 1.43.09
